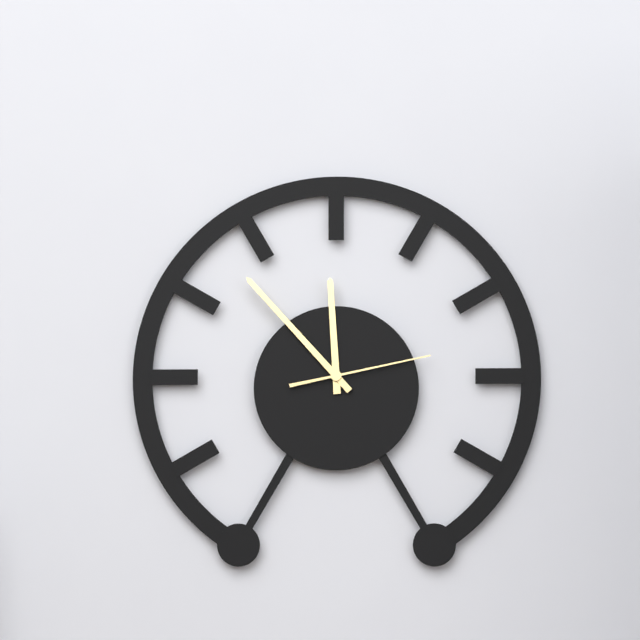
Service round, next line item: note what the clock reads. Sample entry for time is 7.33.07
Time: 11.53.13
